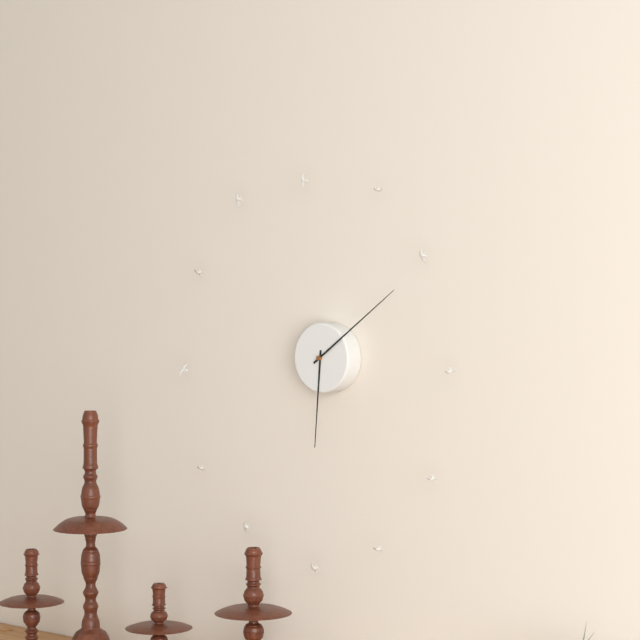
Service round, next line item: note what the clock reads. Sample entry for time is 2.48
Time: 6.09
